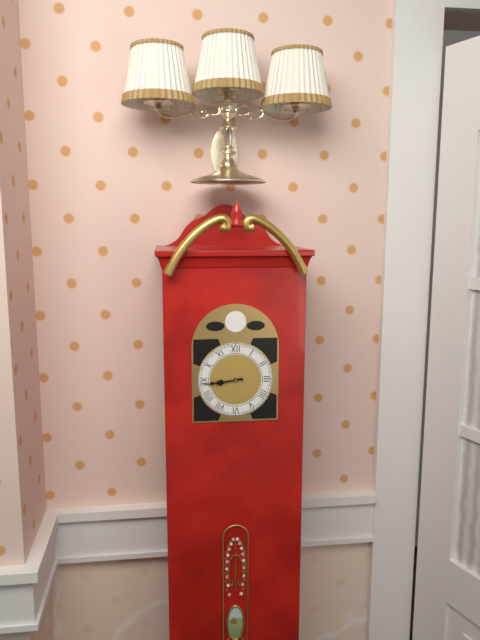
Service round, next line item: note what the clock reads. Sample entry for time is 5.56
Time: 8.44
